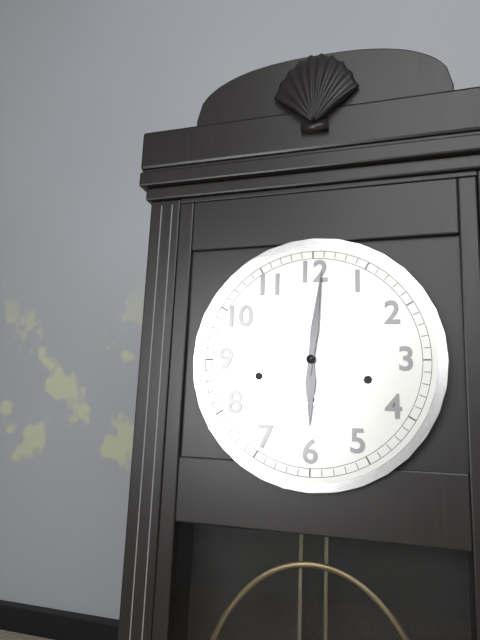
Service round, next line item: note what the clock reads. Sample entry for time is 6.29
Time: 6.01
